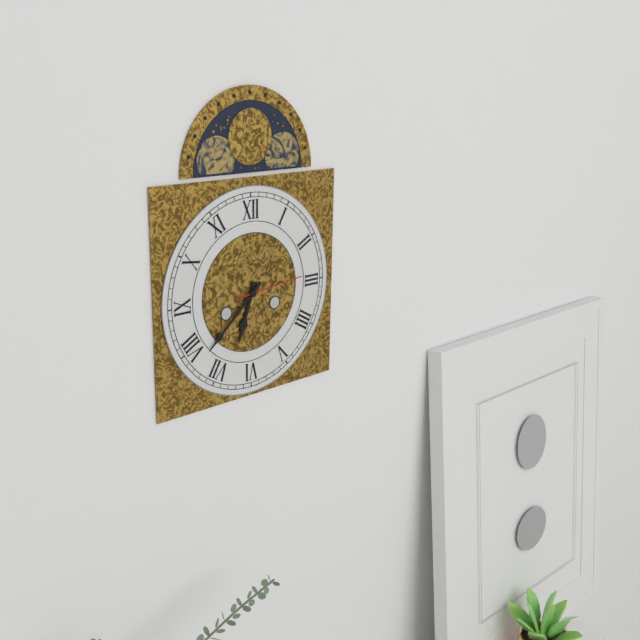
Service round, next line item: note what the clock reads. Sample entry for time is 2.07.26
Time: 6.38.14
